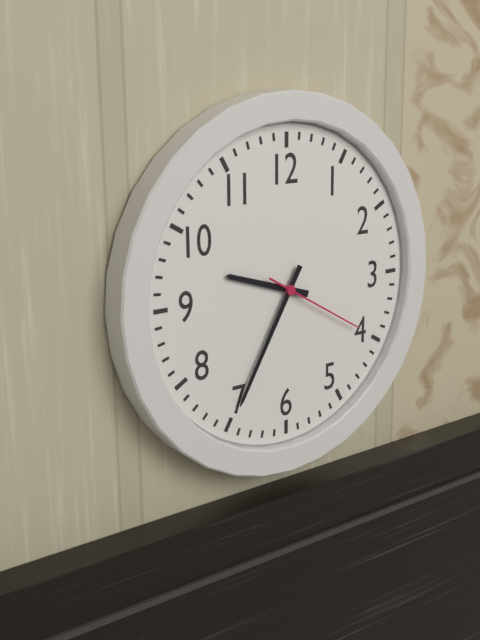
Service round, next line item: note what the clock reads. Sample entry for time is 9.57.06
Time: 9.35.20
